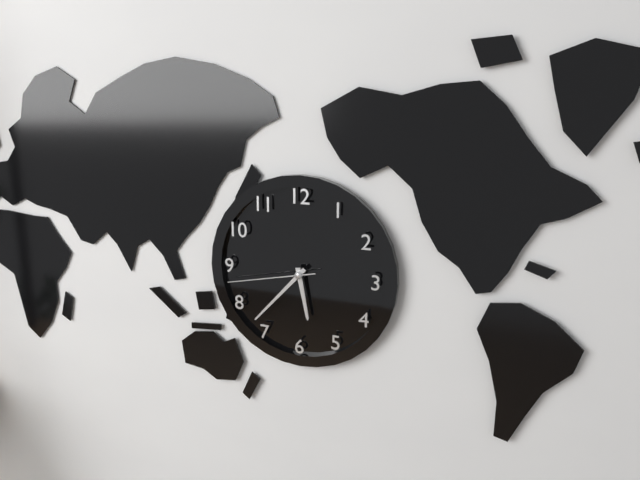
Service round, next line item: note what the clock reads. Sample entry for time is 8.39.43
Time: 5.37.43
